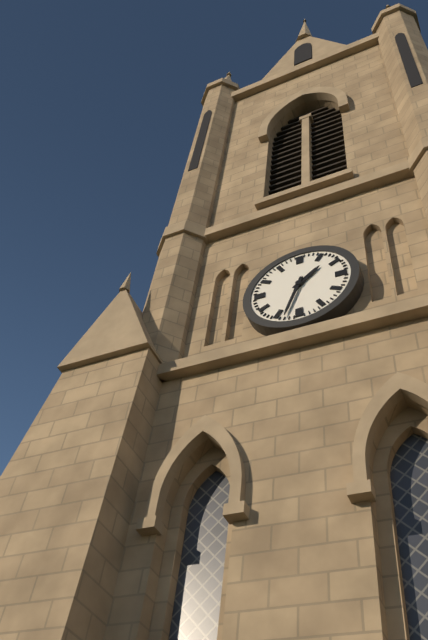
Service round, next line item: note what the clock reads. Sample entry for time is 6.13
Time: 1.33
